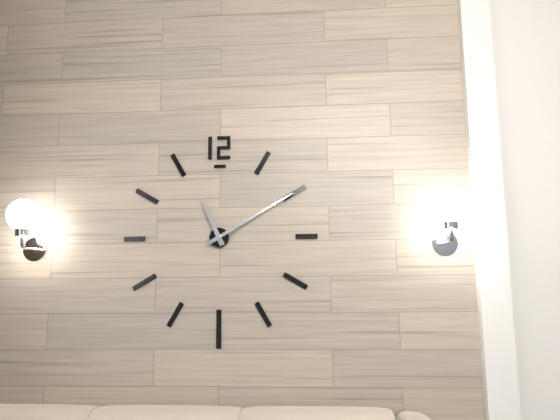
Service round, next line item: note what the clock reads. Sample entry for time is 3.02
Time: 11.10
